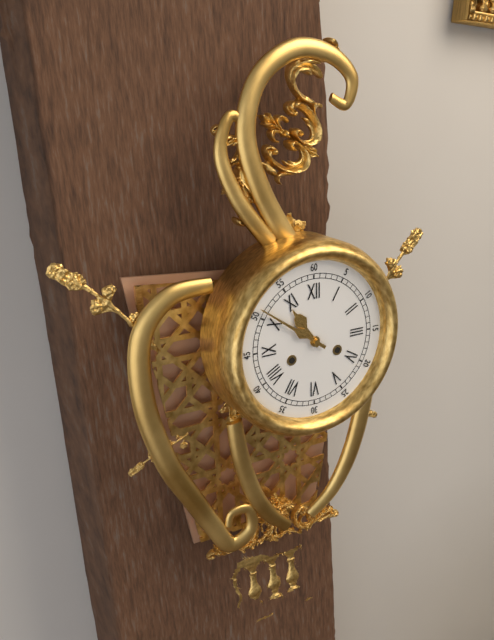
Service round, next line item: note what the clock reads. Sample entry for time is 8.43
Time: 10.51
